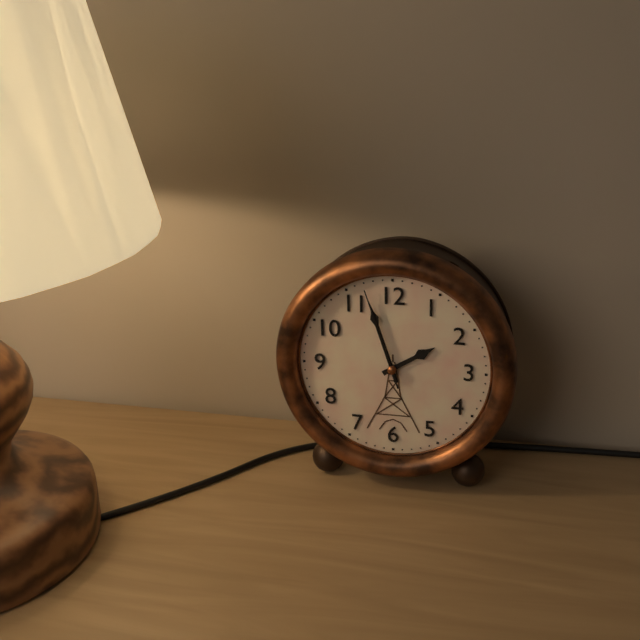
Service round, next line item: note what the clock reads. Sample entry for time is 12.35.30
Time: 1.57.57
